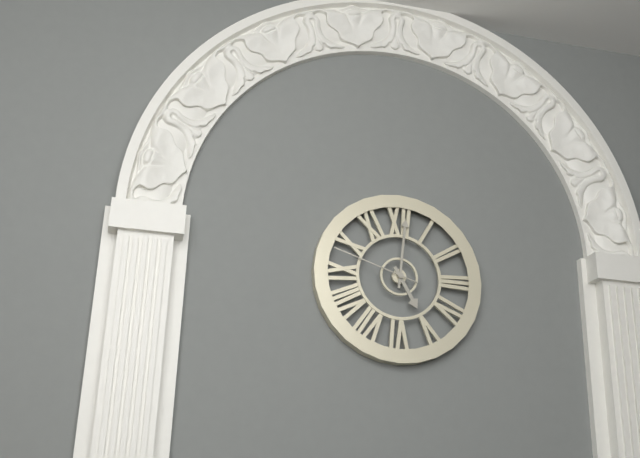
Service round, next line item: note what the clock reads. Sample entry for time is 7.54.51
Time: 5.01.48
